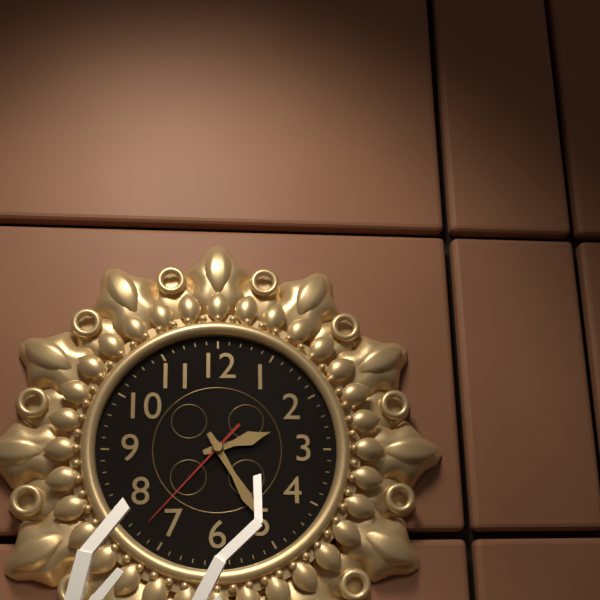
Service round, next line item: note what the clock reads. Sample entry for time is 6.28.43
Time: 2.25.37
